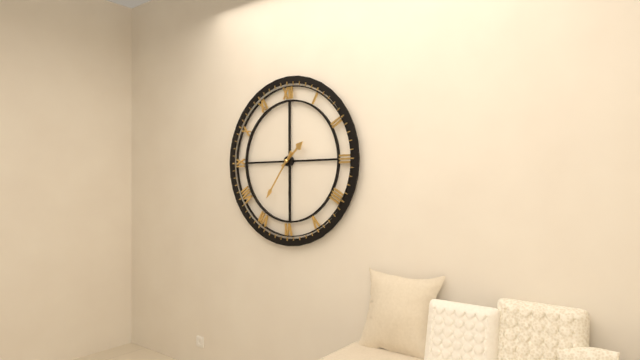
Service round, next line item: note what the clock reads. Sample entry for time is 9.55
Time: 1.36
